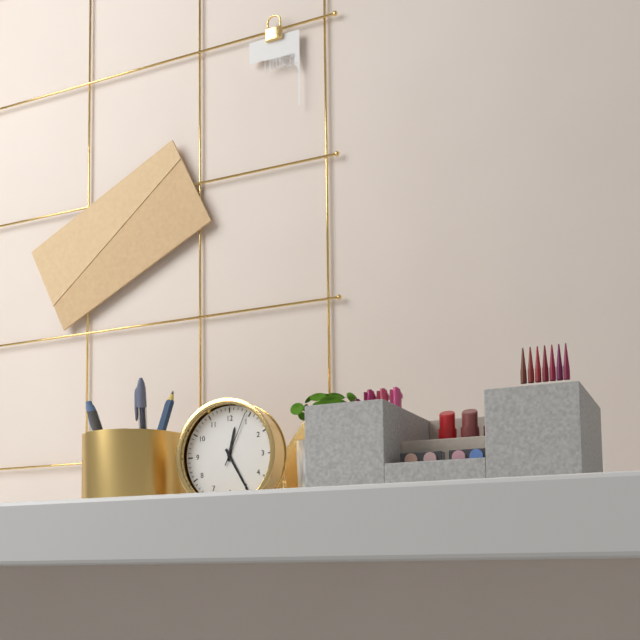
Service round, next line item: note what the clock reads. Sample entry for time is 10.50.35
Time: 12.25.04
